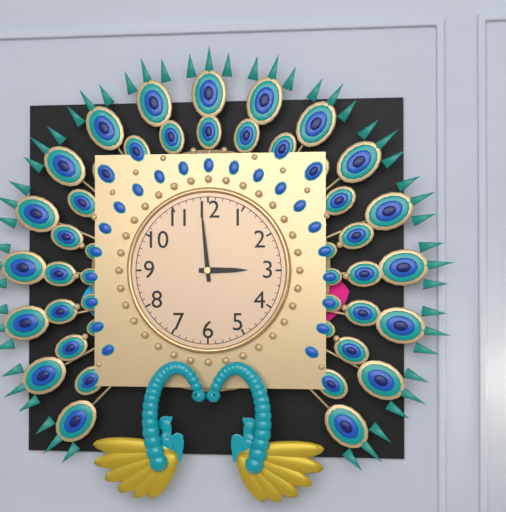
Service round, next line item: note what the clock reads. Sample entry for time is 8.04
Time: 2.59
